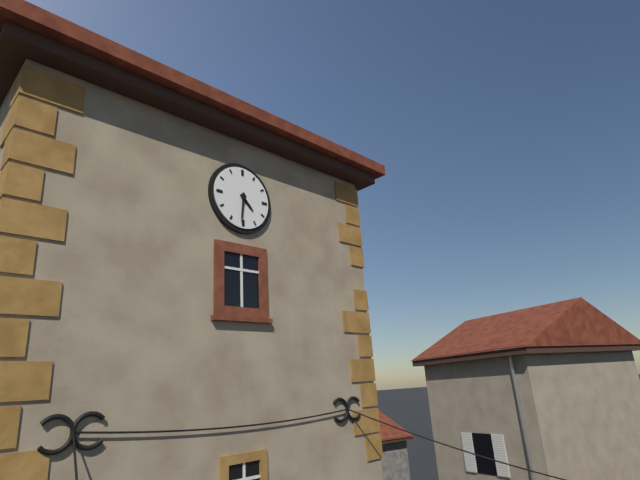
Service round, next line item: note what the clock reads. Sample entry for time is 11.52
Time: 4.31
